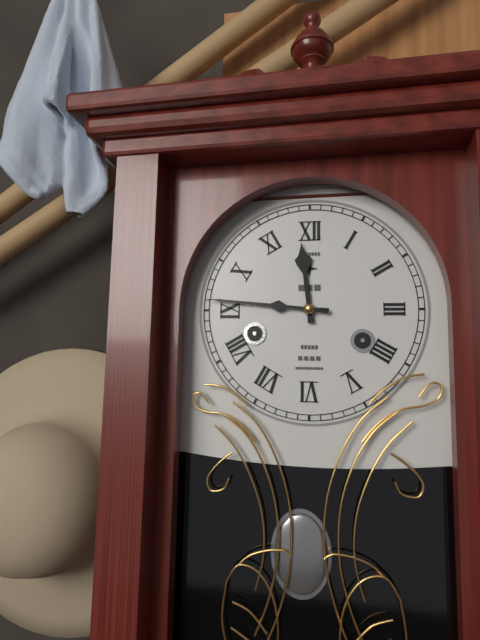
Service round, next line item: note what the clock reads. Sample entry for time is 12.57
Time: 11.46
